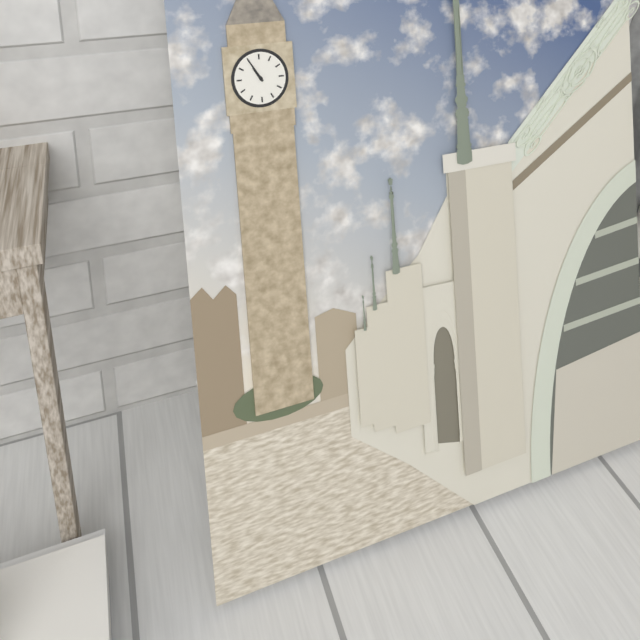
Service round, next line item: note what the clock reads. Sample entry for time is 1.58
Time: 10.55
